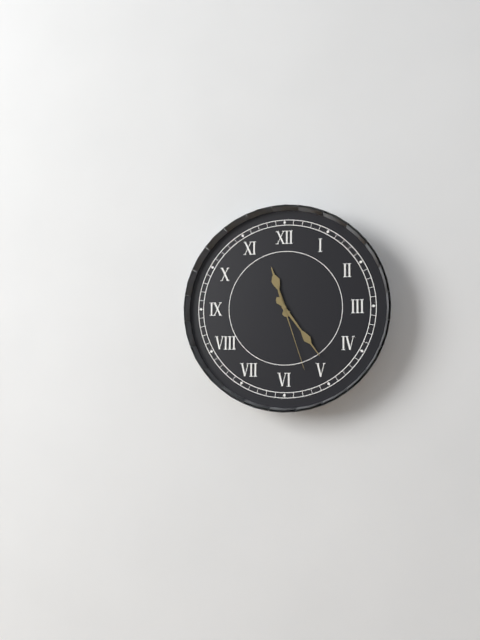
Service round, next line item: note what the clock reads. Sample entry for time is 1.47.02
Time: 11.24.27
